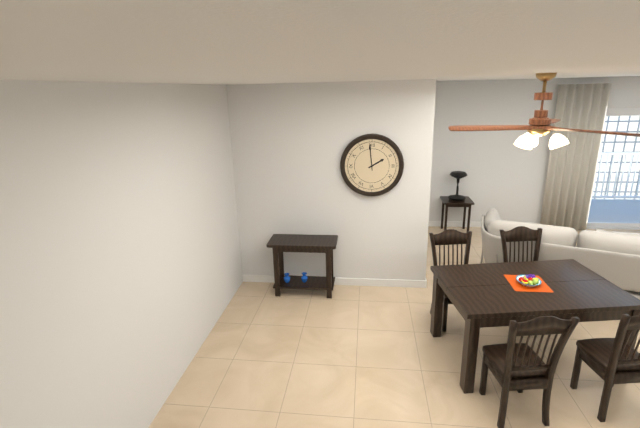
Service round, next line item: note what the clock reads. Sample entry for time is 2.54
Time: 1.59
